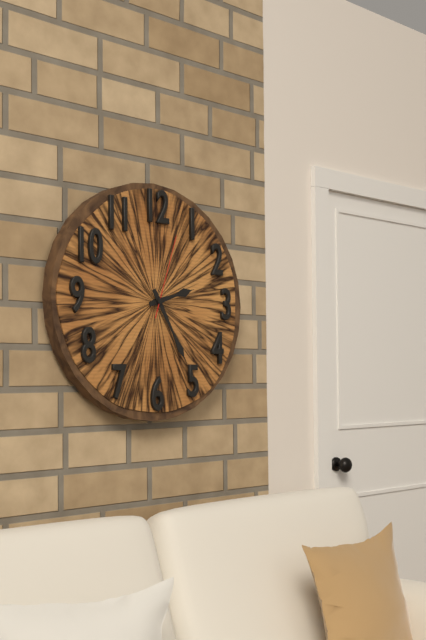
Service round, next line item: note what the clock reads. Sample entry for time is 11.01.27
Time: 2.25.03
